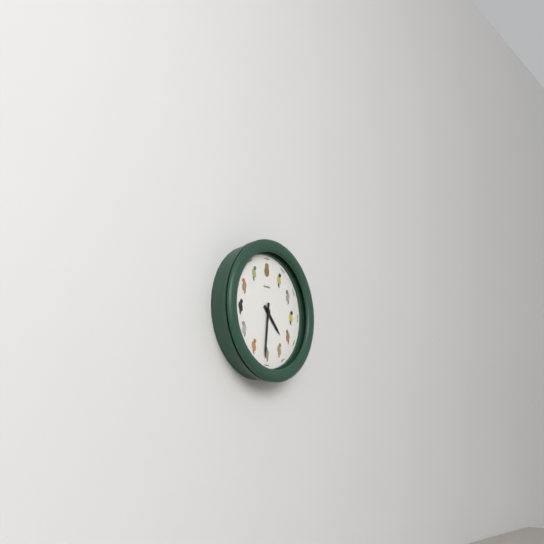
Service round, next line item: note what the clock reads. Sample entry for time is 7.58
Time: 4.31
